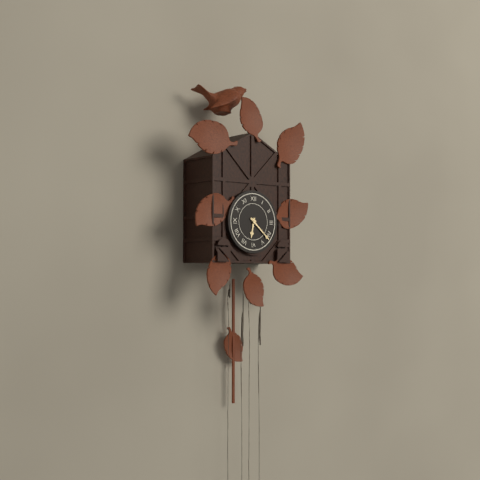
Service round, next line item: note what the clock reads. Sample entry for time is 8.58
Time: 6.22
